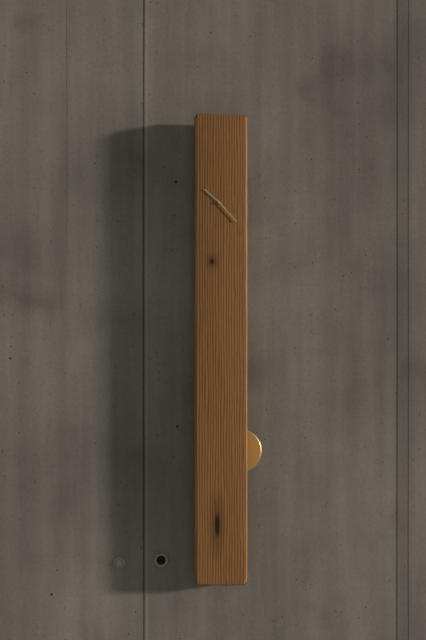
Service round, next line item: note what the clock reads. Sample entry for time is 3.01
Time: 10.23
